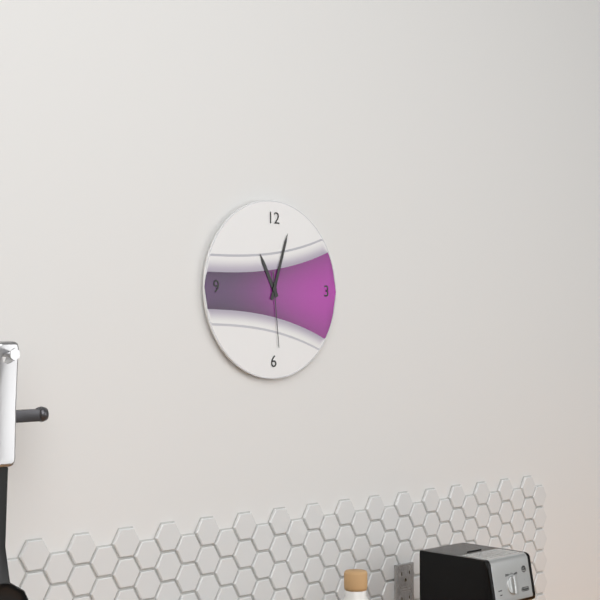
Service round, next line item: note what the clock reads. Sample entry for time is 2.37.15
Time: 11.03.29
